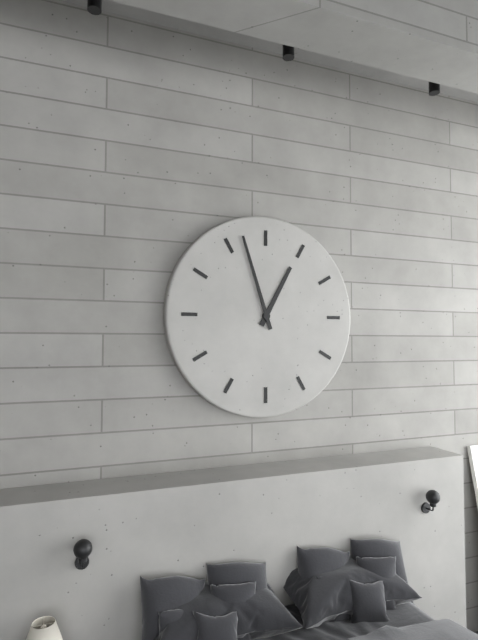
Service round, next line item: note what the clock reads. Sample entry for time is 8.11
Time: 12.57
